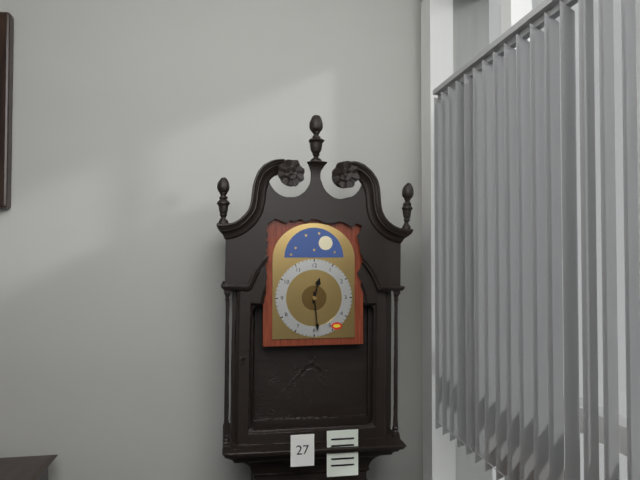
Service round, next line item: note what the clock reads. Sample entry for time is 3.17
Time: 12.29
